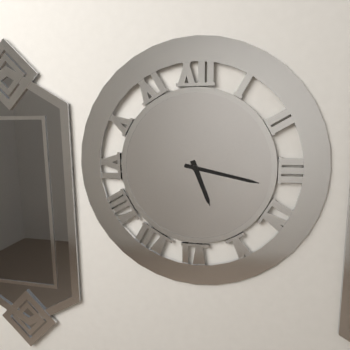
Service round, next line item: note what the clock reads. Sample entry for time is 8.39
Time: 5.17
